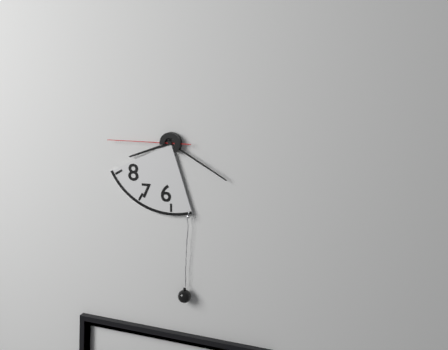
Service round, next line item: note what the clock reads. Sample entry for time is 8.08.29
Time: 8.20.45
